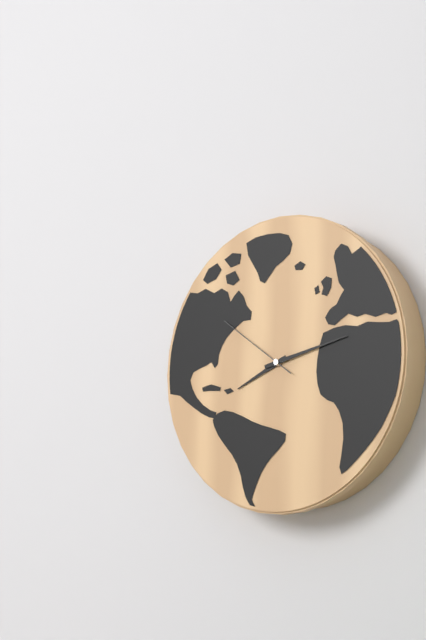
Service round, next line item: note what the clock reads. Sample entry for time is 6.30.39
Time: 8.13.51
